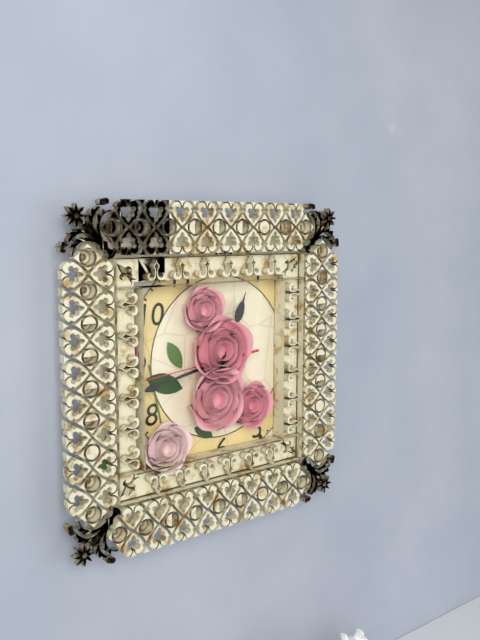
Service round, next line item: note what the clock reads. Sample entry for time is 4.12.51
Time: 12.43.44
